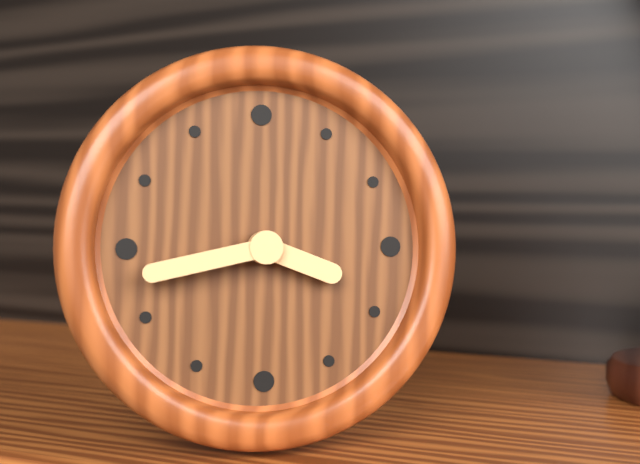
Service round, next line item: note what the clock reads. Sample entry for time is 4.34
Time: 3.43
